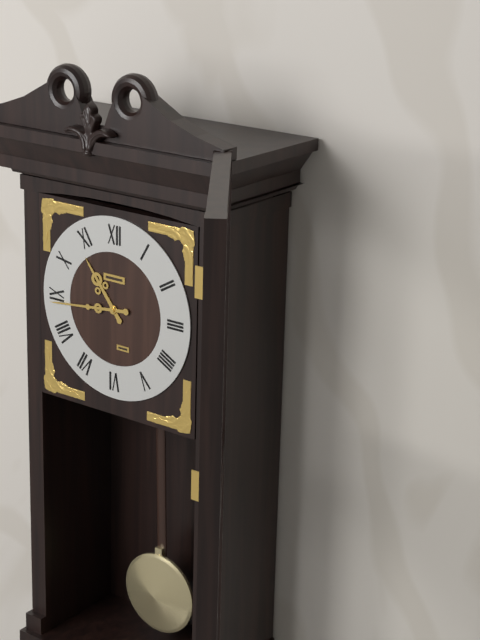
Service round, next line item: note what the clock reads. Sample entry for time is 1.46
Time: 10.44
